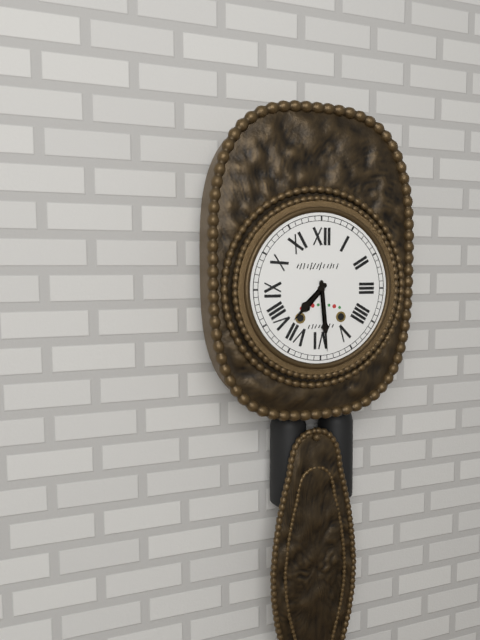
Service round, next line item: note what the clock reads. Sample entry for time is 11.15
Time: 7.29
